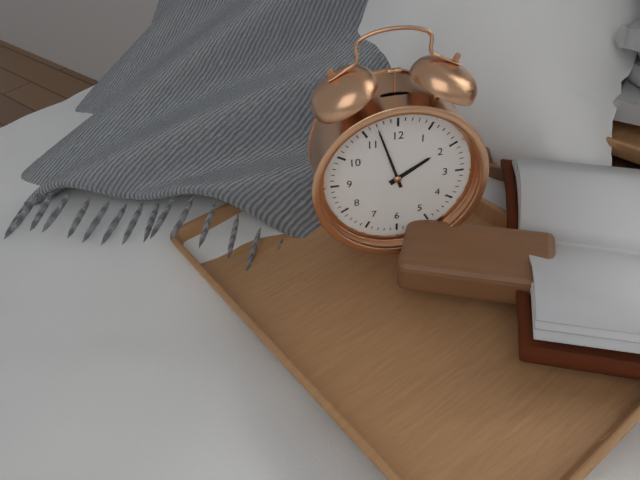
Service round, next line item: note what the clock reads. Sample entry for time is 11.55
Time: 1.57
